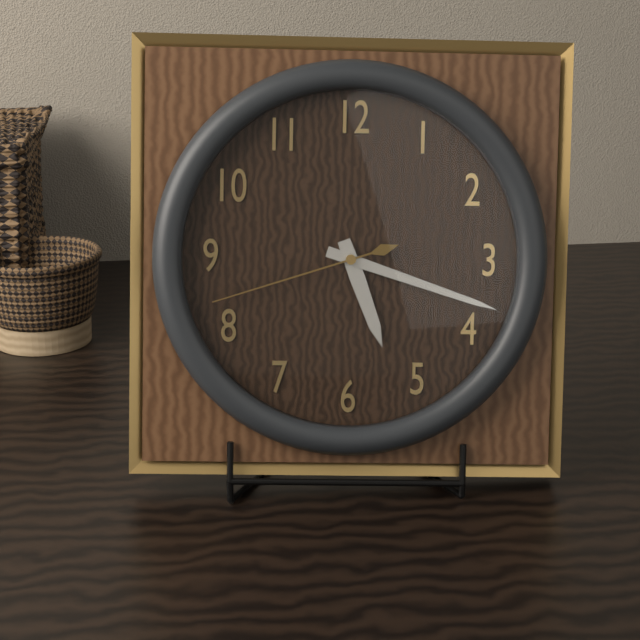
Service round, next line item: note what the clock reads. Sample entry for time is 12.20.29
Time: 5.18.42
